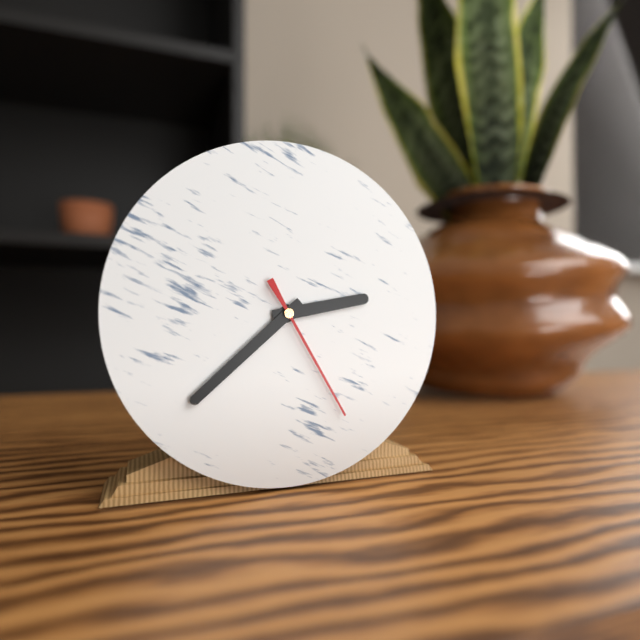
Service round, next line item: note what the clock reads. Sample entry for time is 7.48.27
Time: 2.38.25
